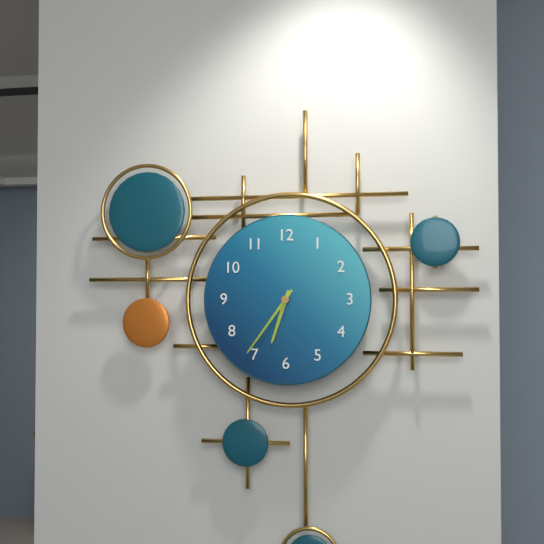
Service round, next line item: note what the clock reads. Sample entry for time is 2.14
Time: 6.36
